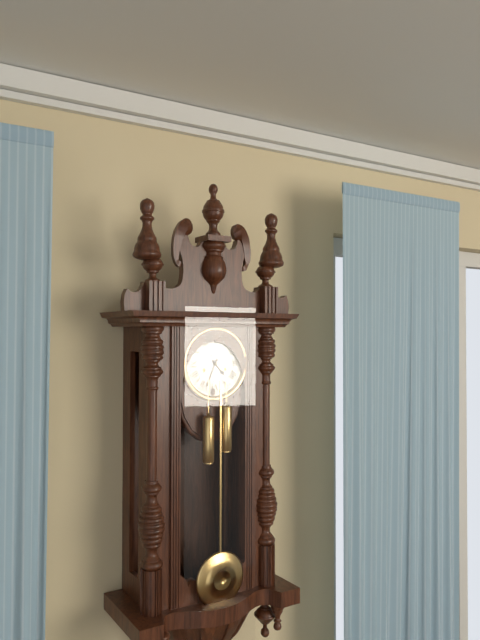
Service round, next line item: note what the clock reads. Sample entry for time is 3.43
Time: 4.34
